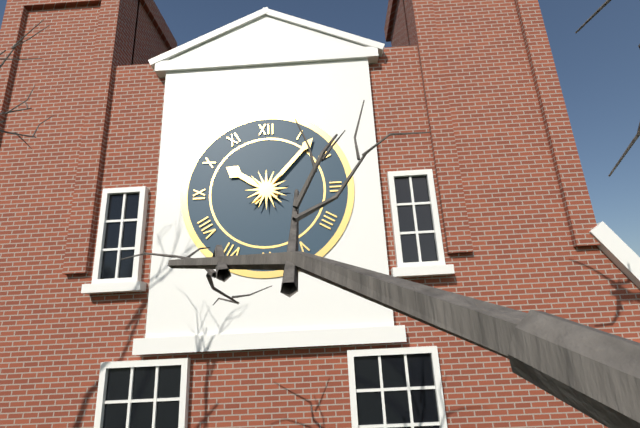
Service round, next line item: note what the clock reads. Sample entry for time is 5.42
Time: 10.07
